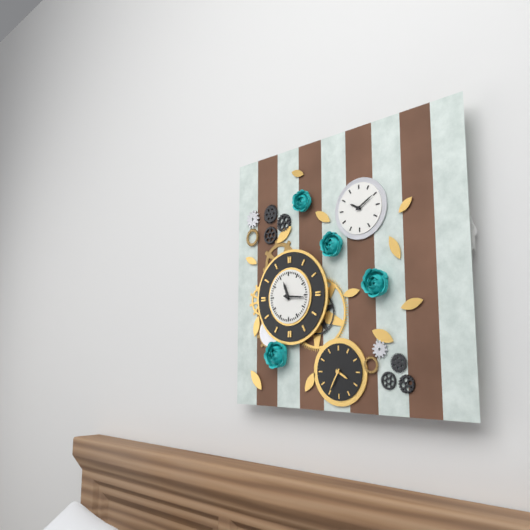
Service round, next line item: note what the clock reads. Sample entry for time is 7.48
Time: 11.16
